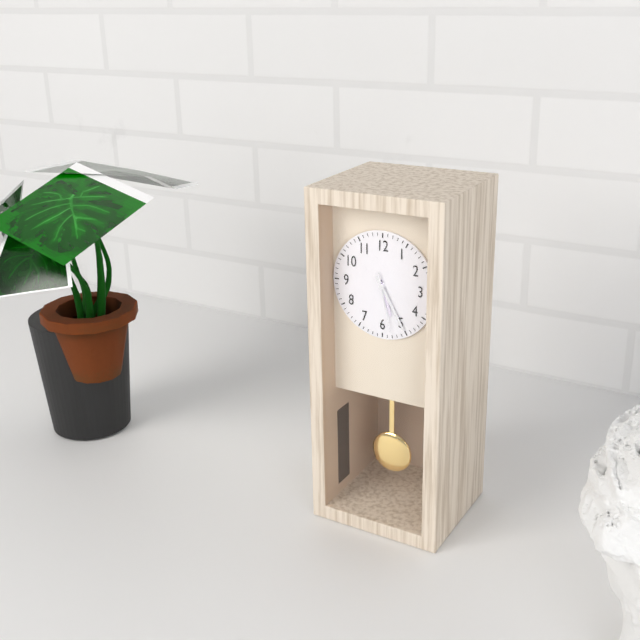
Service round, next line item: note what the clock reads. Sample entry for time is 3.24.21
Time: 5.25.28
